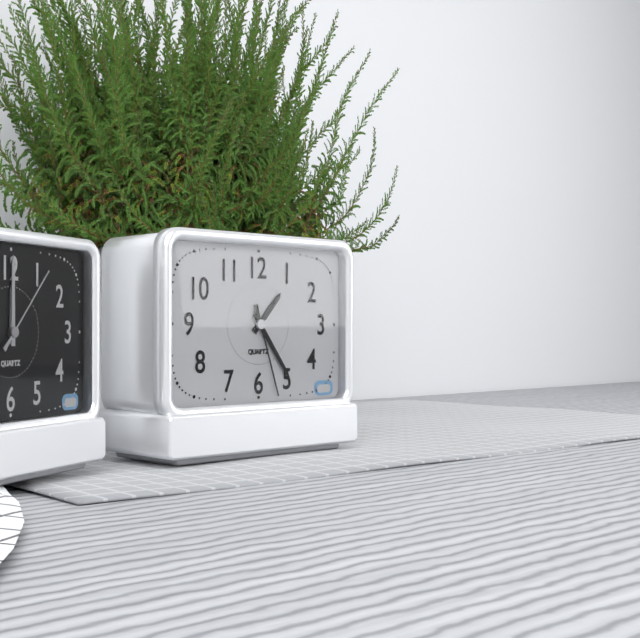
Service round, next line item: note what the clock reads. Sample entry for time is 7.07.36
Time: 1.24.27
